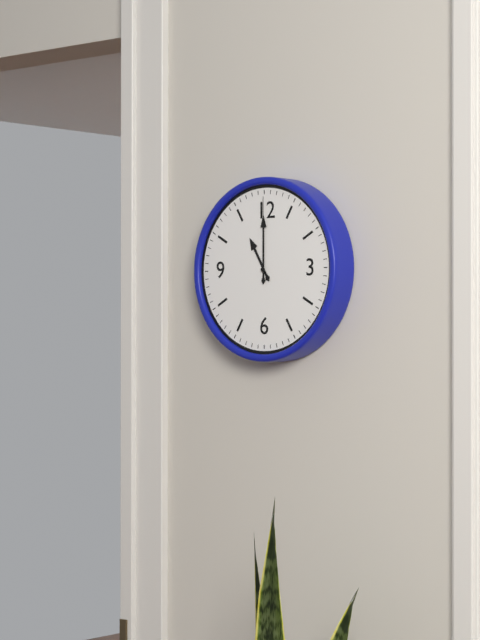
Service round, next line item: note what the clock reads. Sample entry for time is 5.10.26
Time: 11.00.00
